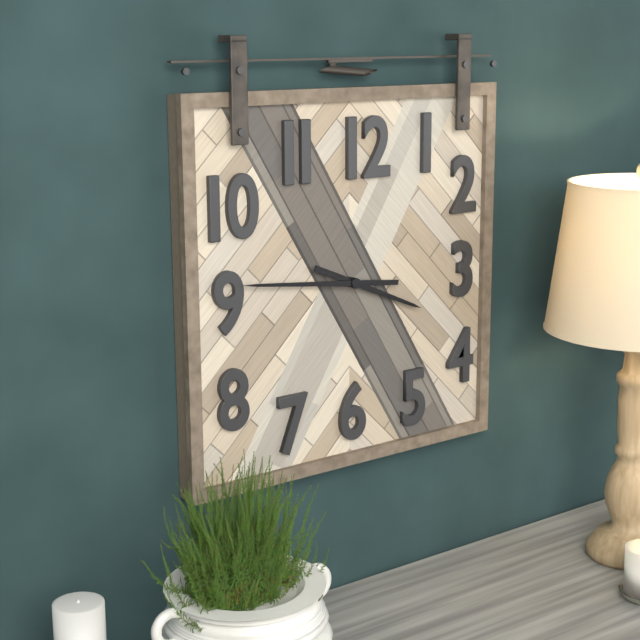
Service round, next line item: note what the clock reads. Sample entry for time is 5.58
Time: 3.46
